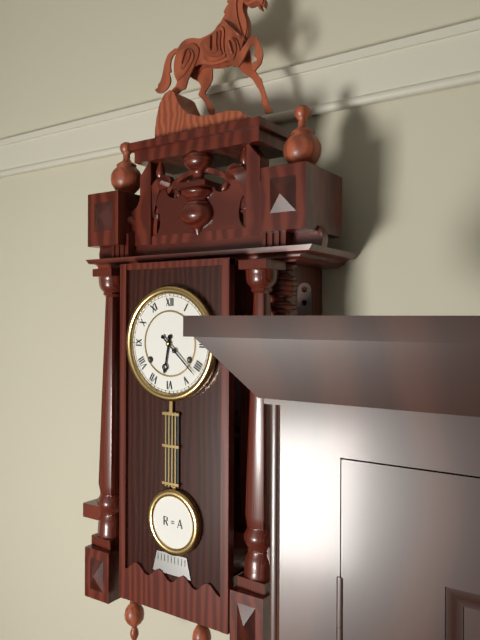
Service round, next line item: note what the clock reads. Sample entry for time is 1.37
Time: 6.22
